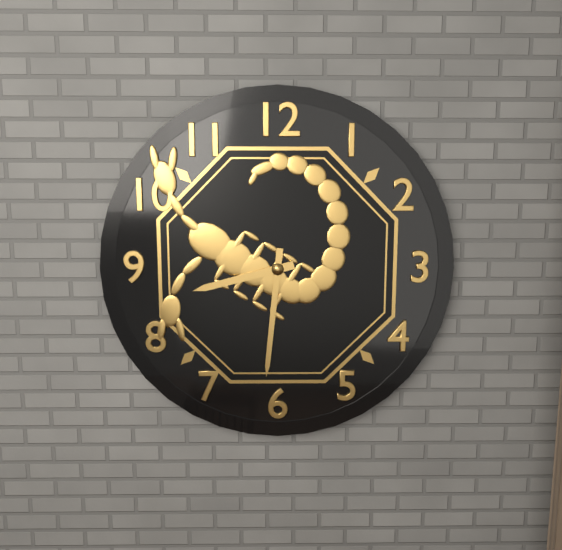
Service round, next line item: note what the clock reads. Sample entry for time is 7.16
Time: 8.31
